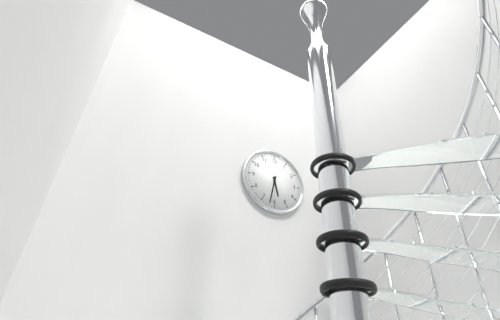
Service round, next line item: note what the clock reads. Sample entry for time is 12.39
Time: 5.32
